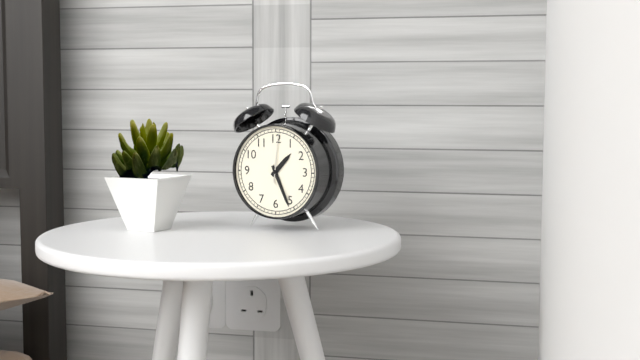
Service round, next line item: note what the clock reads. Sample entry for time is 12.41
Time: 1.26
